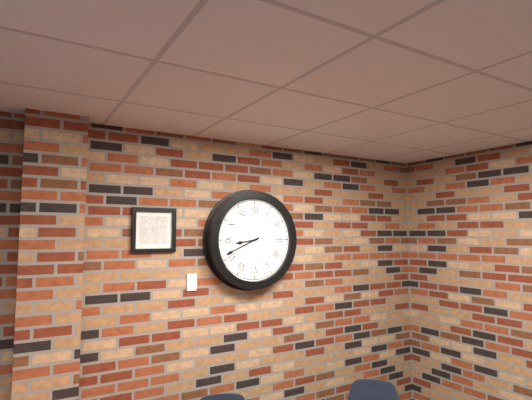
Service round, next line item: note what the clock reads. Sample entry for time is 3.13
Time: 8.41
